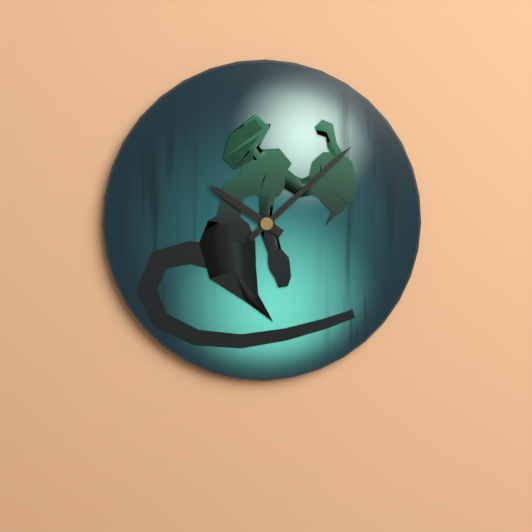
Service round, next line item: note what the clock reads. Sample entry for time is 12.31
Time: 10.08
